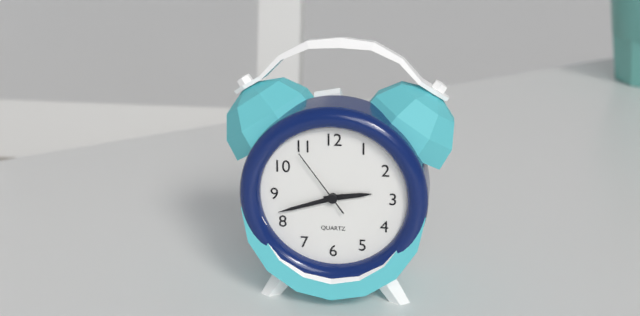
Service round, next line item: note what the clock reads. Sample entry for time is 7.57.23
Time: 2.42.54
